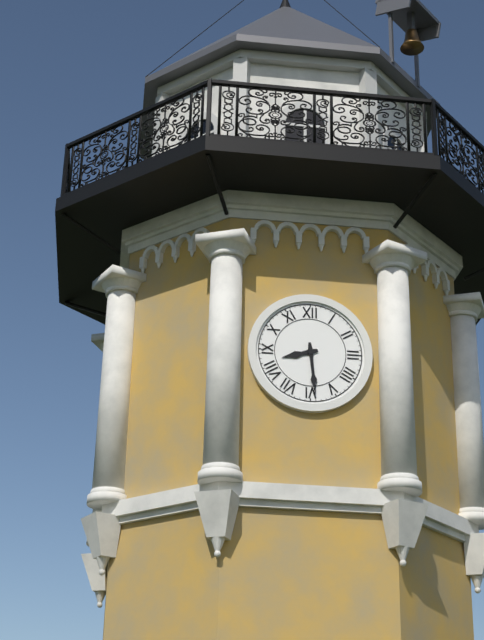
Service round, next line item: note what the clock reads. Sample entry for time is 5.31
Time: 8.29
